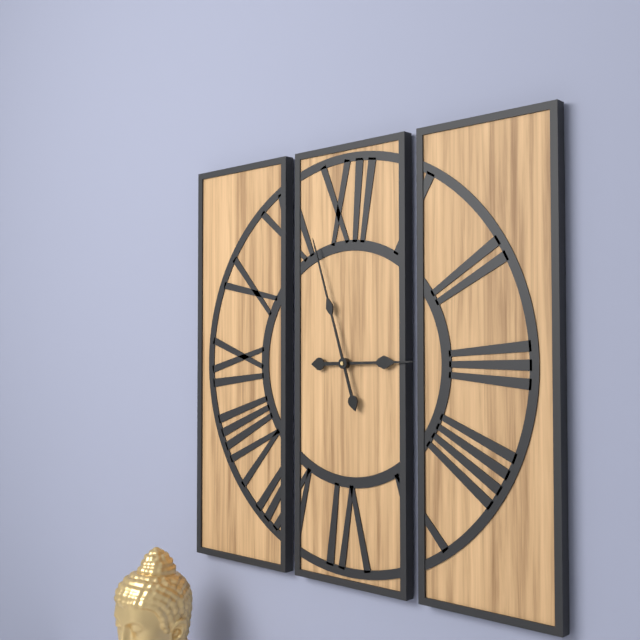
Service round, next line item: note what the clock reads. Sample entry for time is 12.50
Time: 2.57
